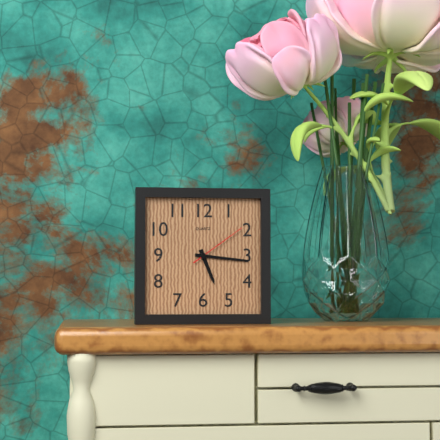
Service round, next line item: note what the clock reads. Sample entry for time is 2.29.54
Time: 5.16.09
